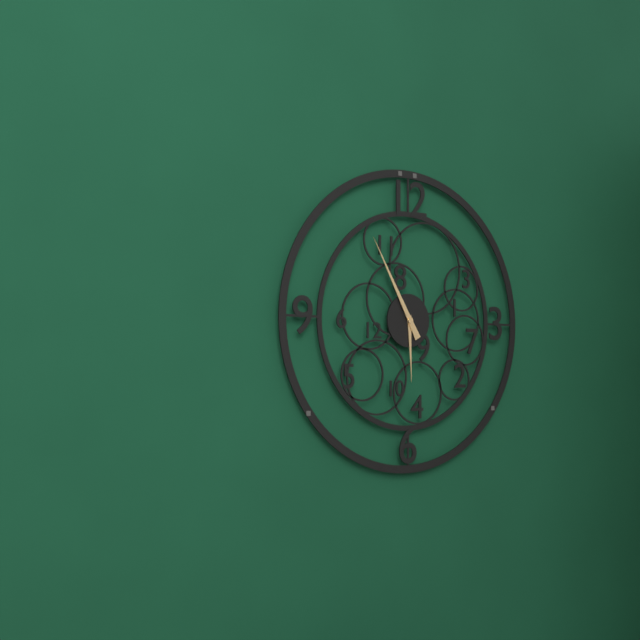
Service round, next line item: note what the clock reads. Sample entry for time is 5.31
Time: 5.55
